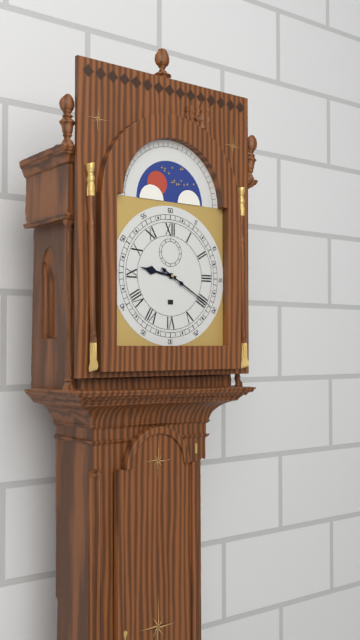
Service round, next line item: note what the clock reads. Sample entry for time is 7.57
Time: 9.20
